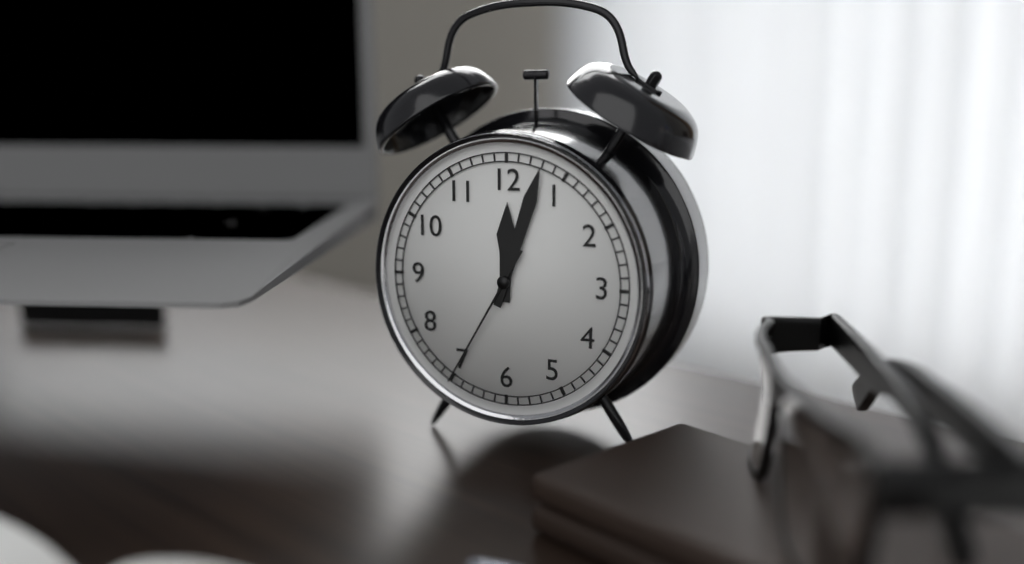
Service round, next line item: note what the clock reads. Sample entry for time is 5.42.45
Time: 12.03.35
